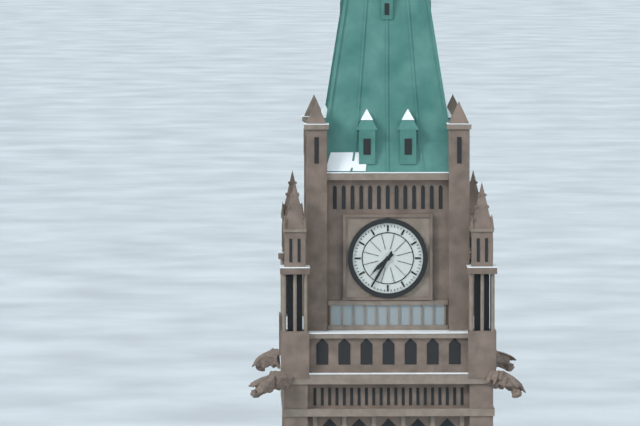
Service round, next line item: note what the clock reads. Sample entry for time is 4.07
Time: 7.35
